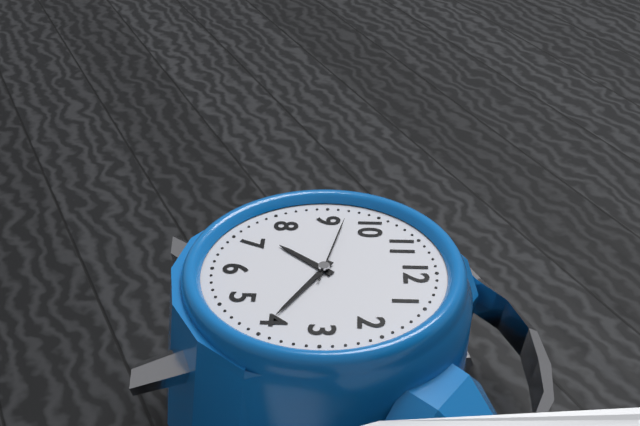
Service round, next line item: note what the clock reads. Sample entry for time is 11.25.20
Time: 7.20.47
